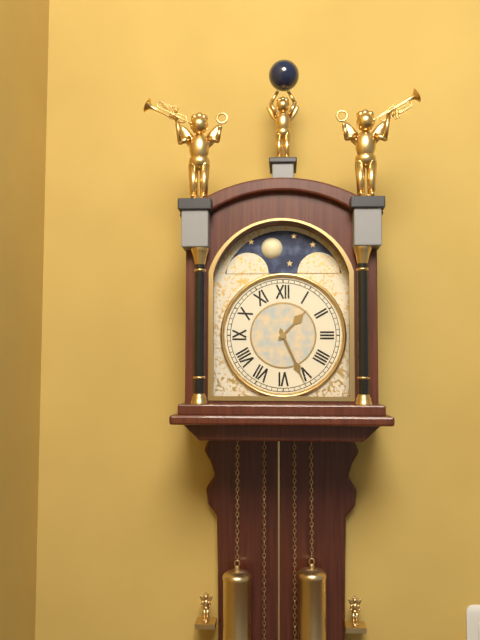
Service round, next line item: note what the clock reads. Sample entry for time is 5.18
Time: 1.26
